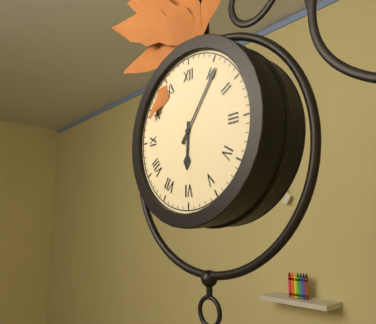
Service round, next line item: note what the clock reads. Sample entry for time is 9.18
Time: 6.06
